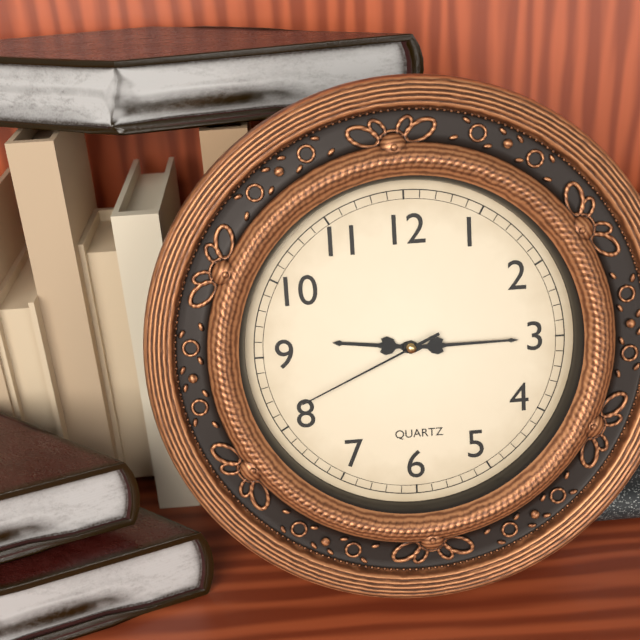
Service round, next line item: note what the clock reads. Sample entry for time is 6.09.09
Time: 9.15.41
